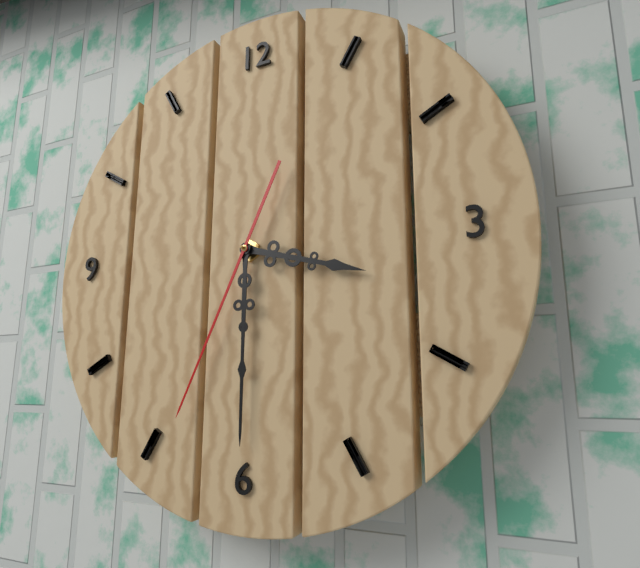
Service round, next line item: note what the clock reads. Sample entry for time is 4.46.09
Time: 3.30.34
